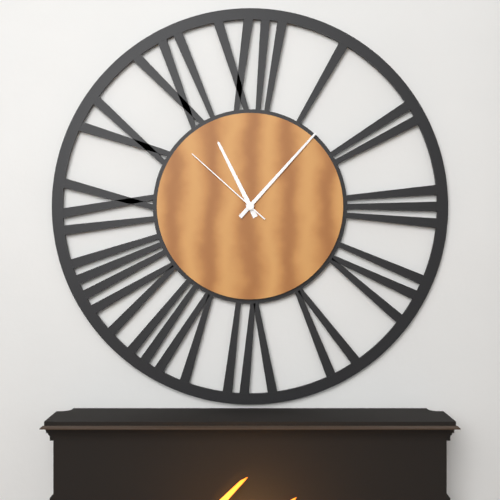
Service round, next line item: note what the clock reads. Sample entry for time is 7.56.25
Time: 11.07.52
